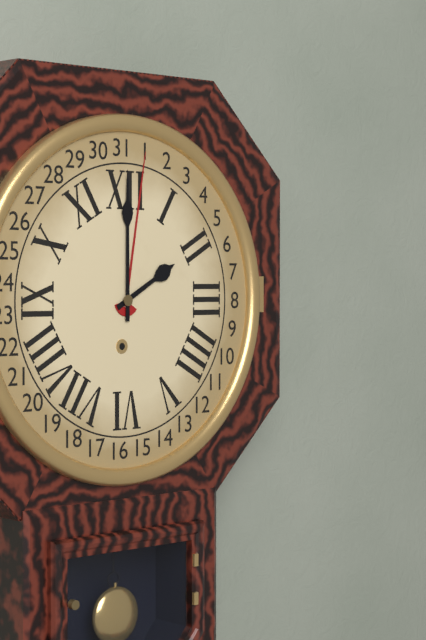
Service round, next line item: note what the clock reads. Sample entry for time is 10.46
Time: 2.00
